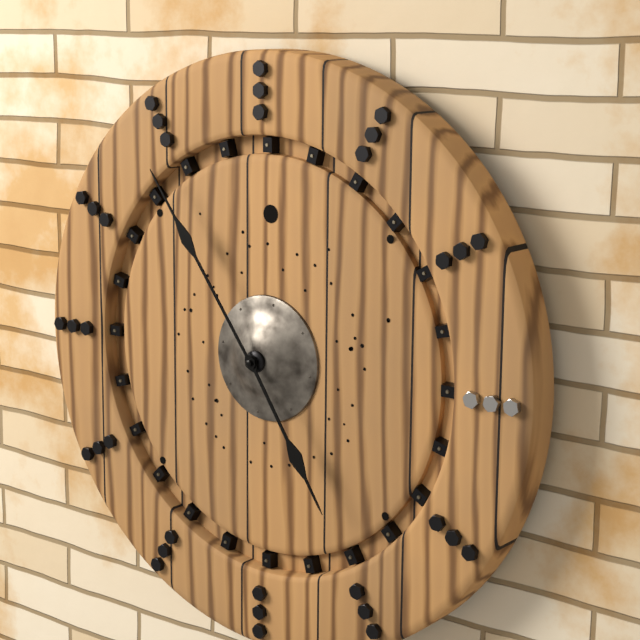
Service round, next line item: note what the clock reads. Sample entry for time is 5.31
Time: 4.54
